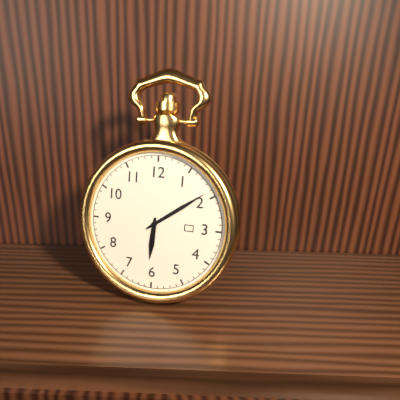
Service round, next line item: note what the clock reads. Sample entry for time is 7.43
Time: 6.09
